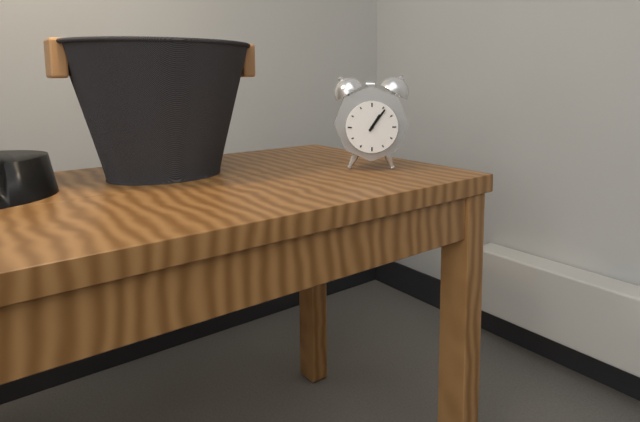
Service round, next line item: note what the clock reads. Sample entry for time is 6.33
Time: 1.06
